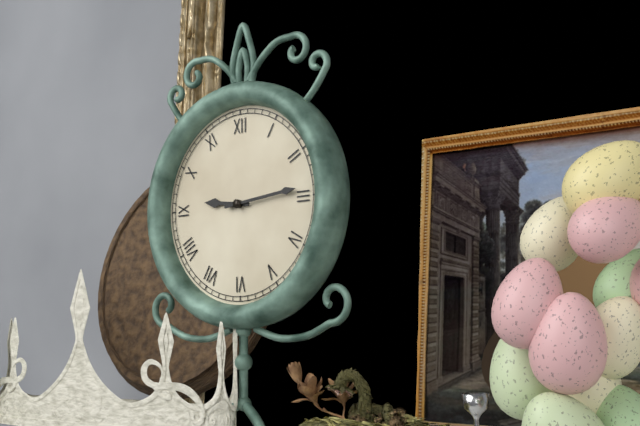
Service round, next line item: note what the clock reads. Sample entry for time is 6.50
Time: 9.14
